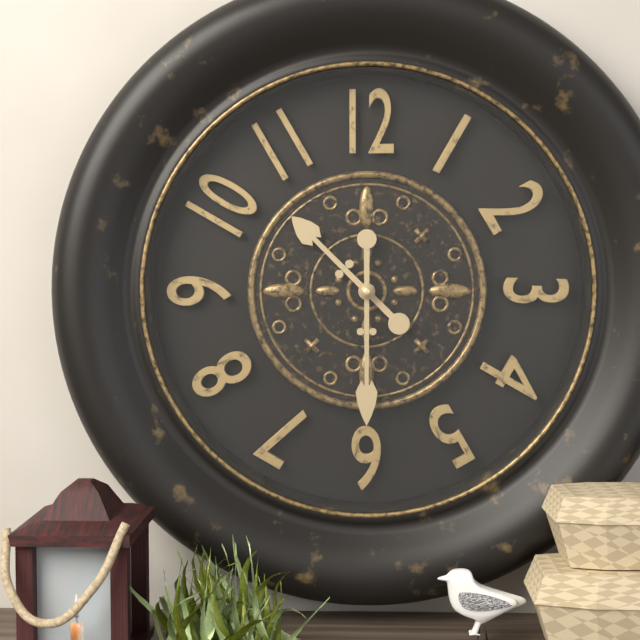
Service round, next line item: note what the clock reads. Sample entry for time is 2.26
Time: 10.30
